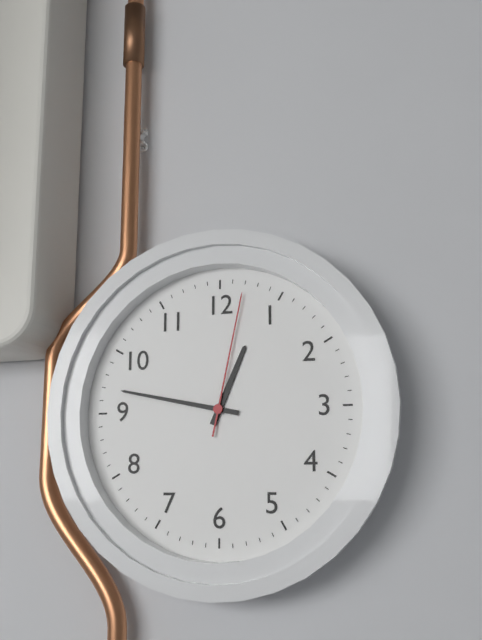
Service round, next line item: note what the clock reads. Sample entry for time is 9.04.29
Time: 12.47.02
